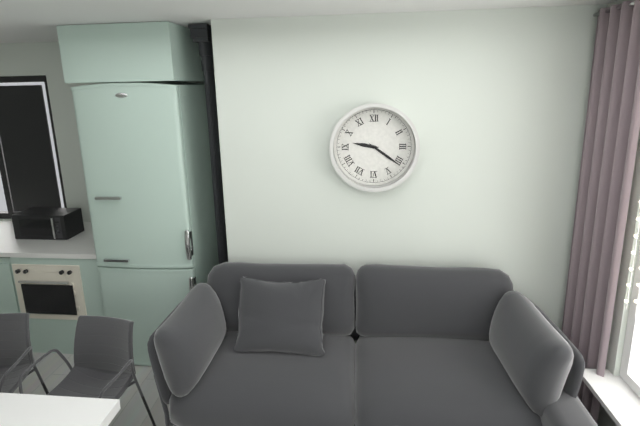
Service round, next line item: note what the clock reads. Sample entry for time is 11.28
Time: 9.21
